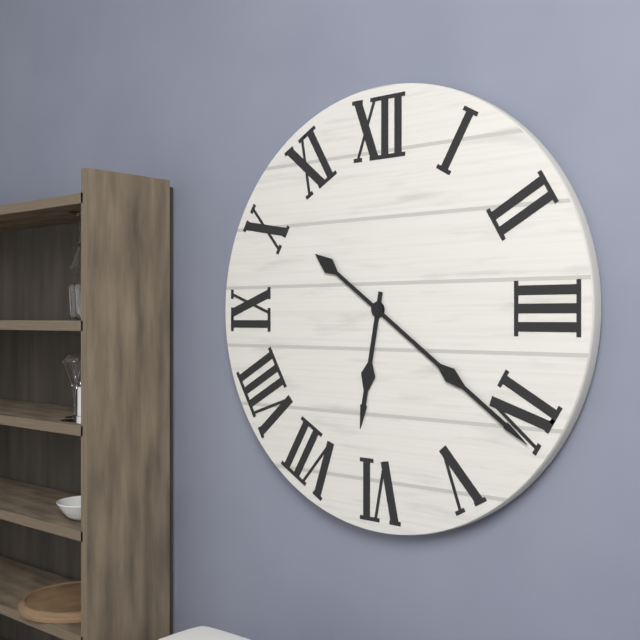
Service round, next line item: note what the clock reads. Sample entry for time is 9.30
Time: 6.21
